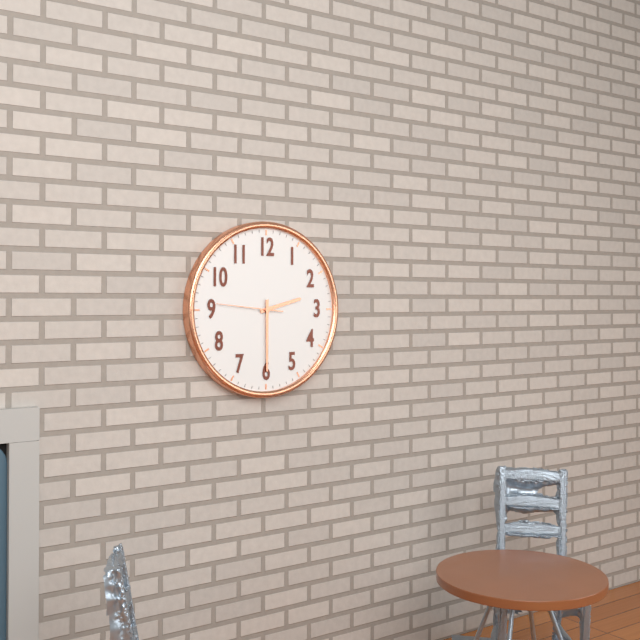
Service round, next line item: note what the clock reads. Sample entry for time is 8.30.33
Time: 2.30.46
